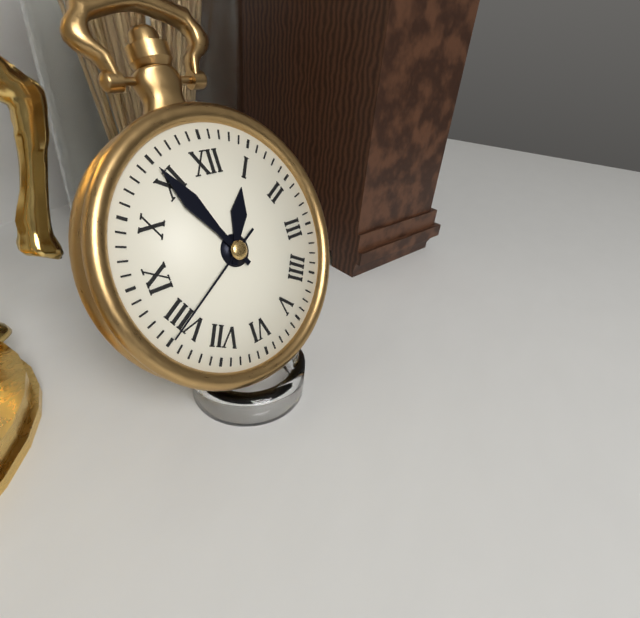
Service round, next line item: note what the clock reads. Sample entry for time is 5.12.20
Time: 12.55.40
